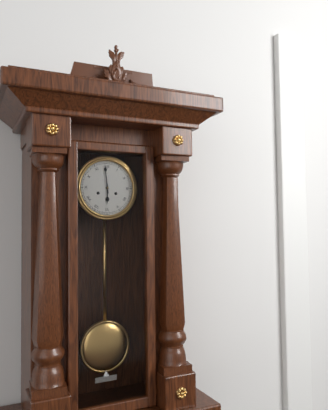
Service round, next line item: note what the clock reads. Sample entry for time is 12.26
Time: 5.59
